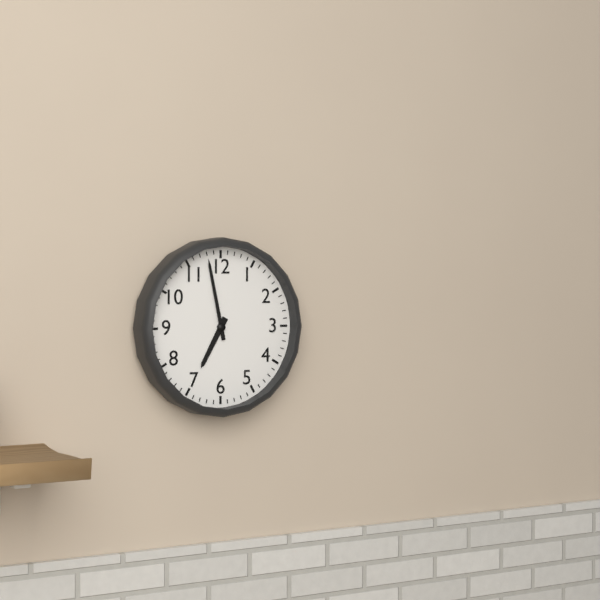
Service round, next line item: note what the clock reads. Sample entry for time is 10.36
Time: 6.58
